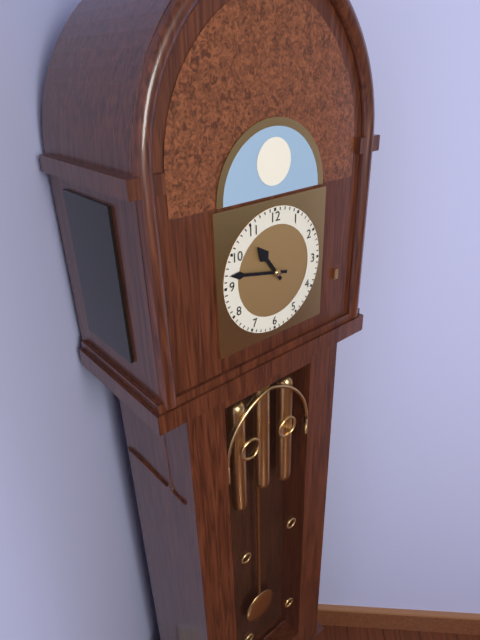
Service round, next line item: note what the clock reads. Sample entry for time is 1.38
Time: 10.47
